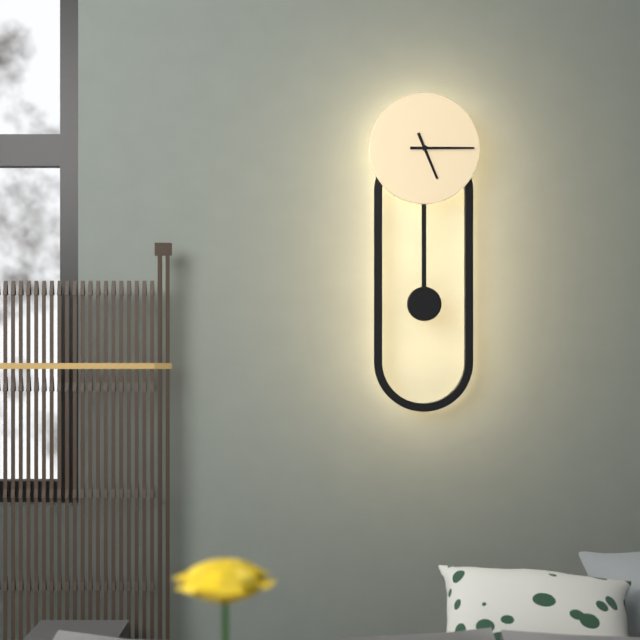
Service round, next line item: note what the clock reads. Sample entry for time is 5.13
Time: 5.15
